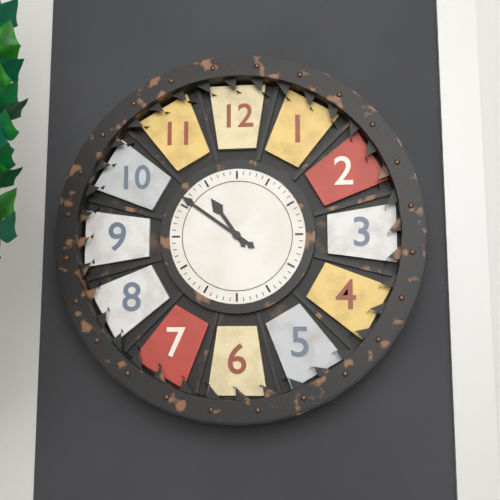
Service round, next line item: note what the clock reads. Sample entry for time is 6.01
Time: 10.51
